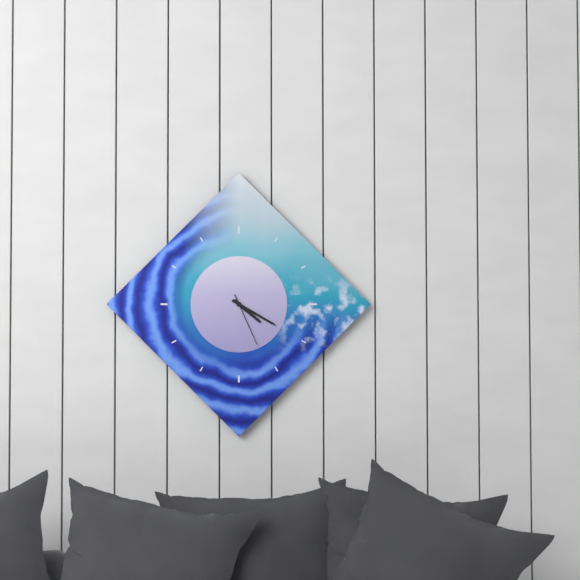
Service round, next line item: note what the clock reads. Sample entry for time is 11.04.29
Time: 4.20.26
